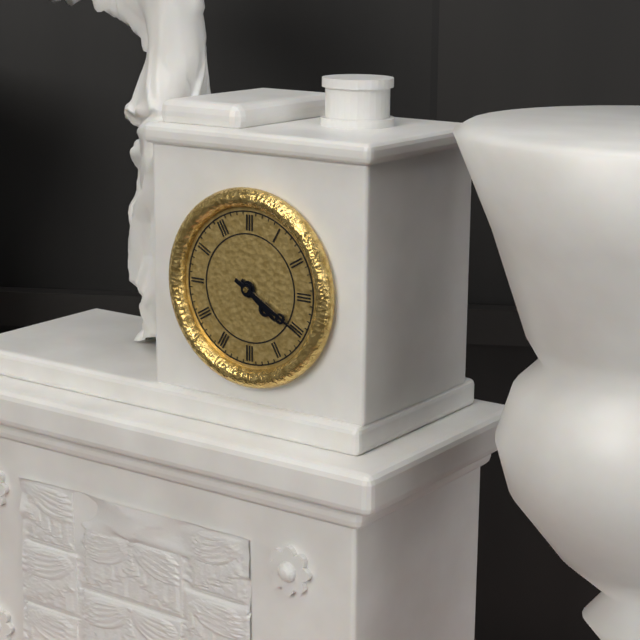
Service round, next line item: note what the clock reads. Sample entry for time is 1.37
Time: 4.20
